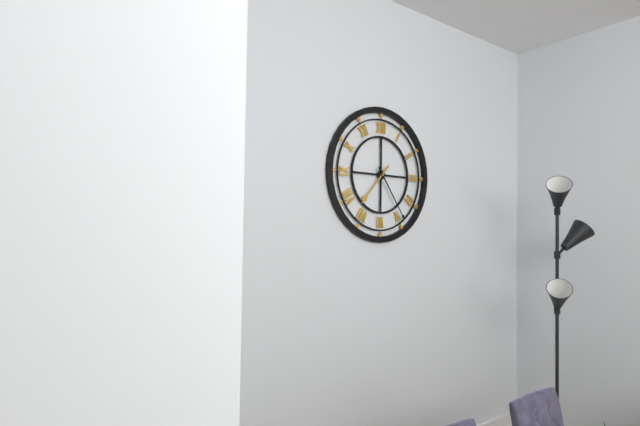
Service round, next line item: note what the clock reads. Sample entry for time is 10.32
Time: 7.24
